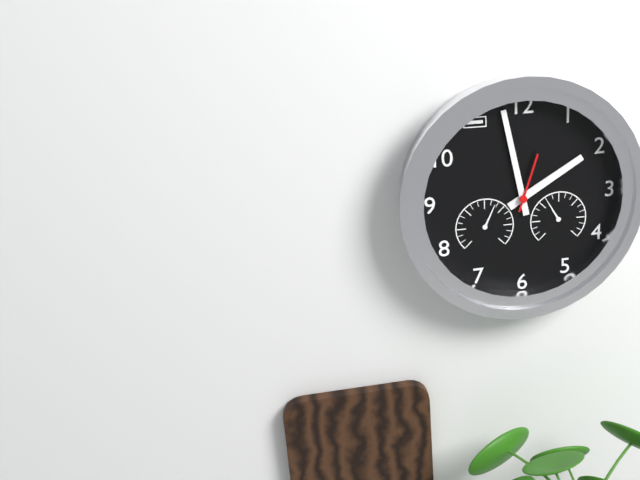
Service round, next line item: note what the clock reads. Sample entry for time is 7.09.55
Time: 1.58.03
